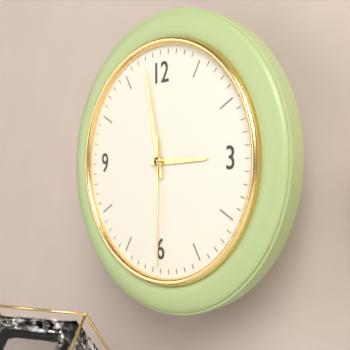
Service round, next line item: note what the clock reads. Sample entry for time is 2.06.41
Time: 2.58.30
